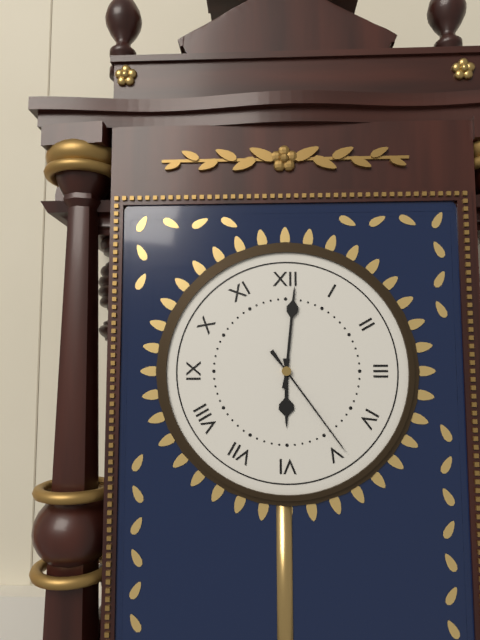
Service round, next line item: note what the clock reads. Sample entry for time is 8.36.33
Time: 6.01.24
